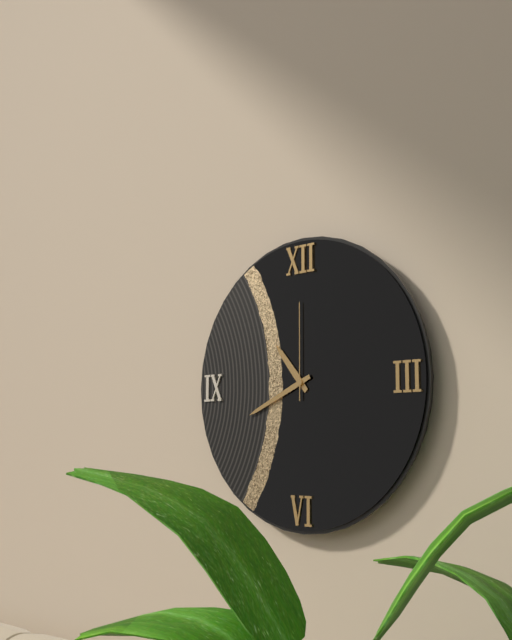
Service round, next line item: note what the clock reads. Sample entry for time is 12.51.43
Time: 10.41.00
